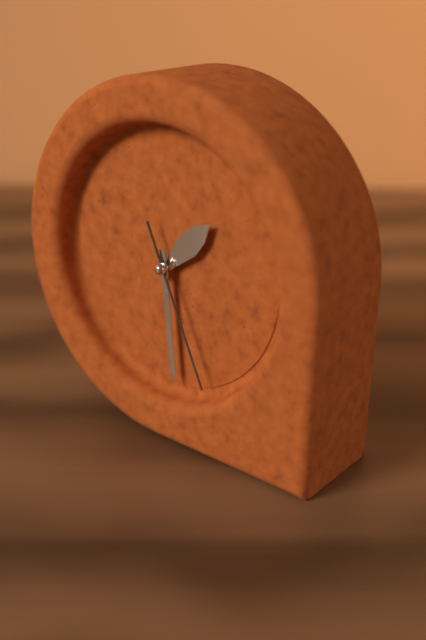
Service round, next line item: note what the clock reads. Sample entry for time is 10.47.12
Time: 1.29.26
